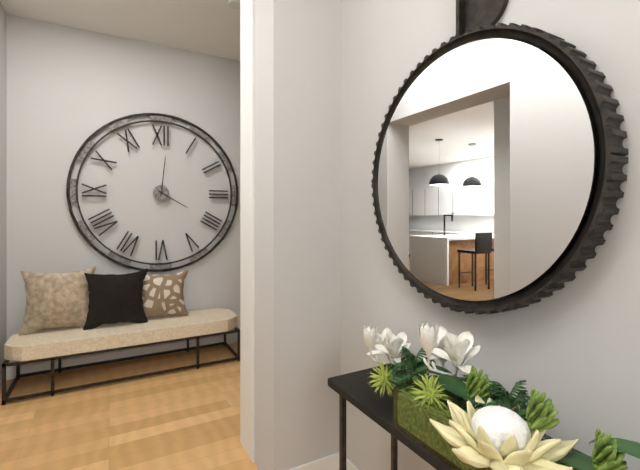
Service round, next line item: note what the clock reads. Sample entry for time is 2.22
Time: 4.01
